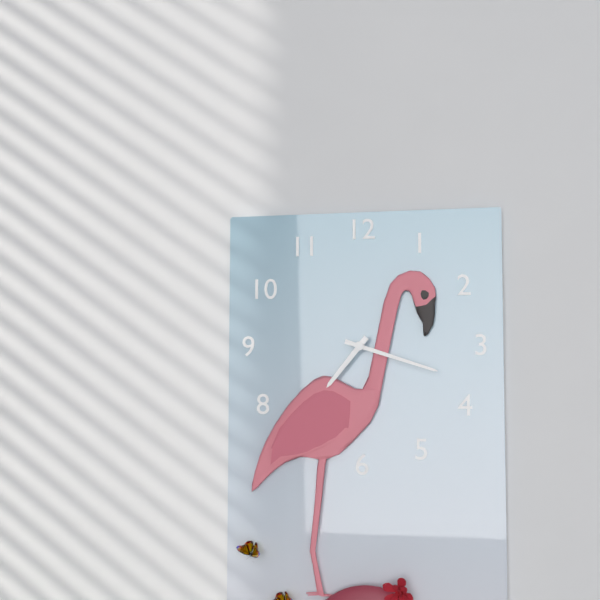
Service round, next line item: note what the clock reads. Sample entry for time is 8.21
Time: 7.18
